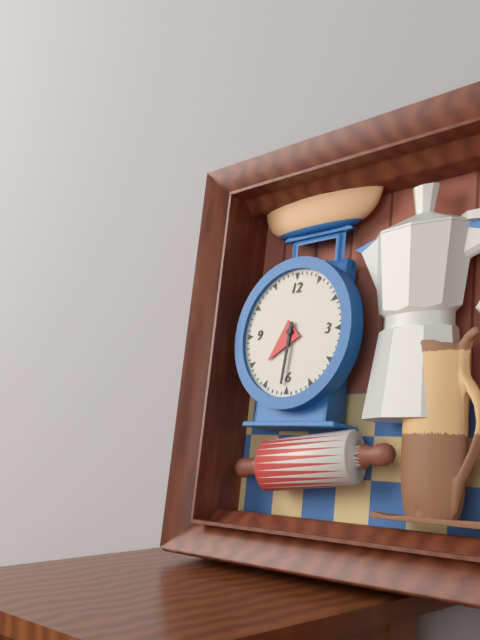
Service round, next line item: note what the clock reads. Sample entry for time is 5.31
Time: 7.31
